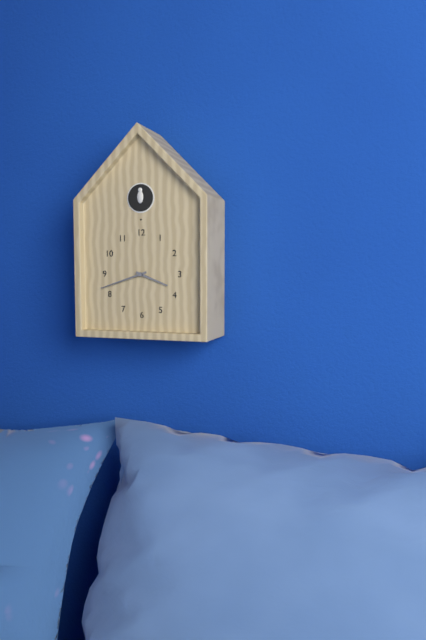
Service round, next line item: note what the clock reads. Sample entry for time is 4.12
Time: 3.42
